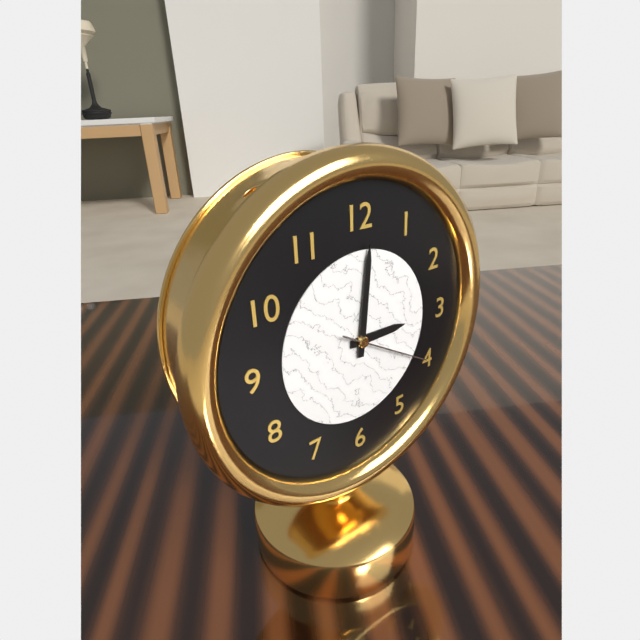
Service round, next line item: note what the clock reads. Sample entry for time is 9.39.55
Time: 3.01.20
